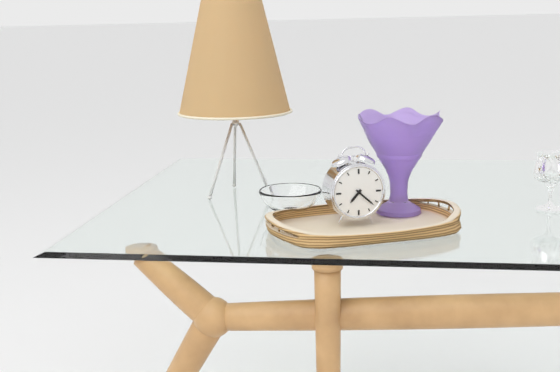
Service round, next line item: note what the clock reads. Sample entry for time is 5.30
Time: 7.22
